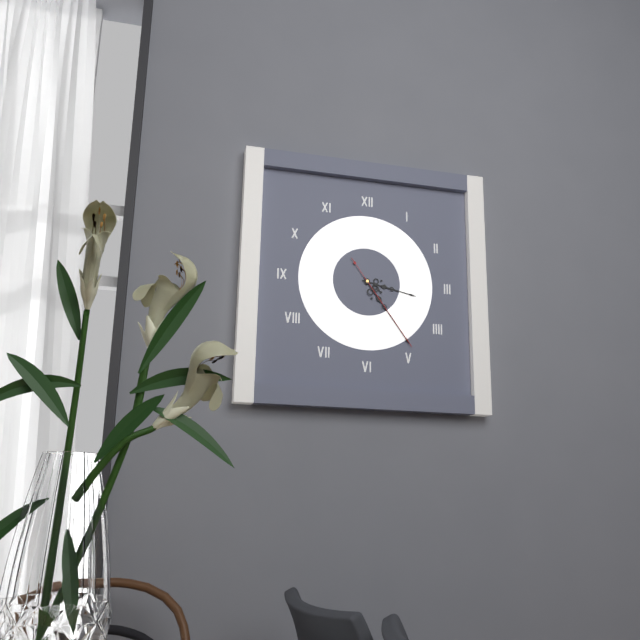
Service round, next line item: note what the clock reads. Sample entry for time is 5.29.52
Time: 3.24.24
